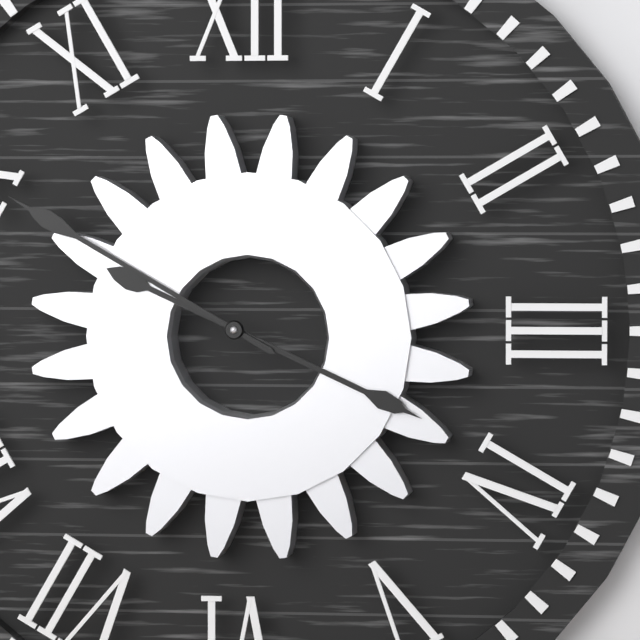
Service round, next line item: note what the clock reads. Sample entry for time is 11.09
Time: 3.50
